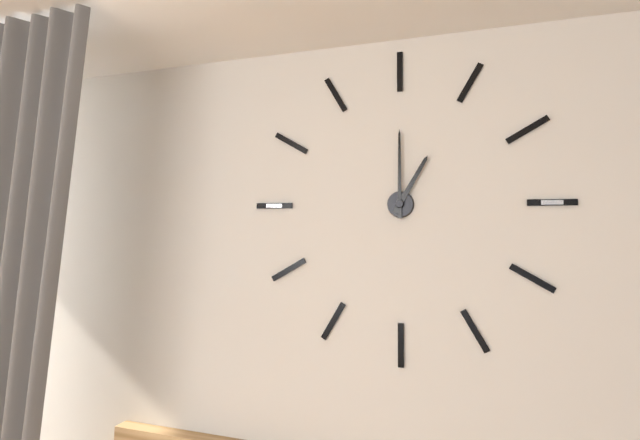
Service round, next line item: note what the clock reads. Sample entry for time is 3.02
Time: 1.00
